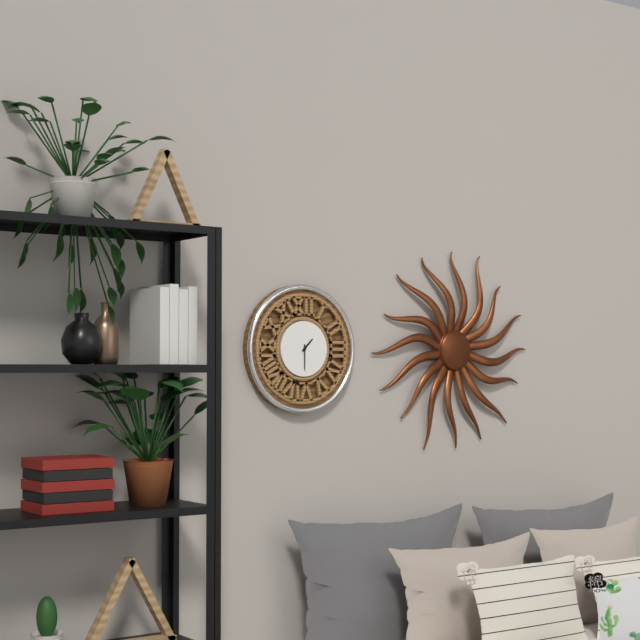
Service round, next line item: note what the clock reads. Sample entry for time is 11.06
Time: 1.30
